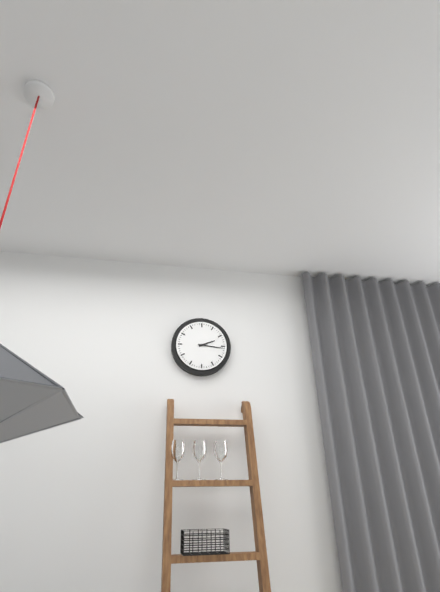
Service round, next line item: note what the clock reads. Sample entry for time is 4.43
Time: 2.16
